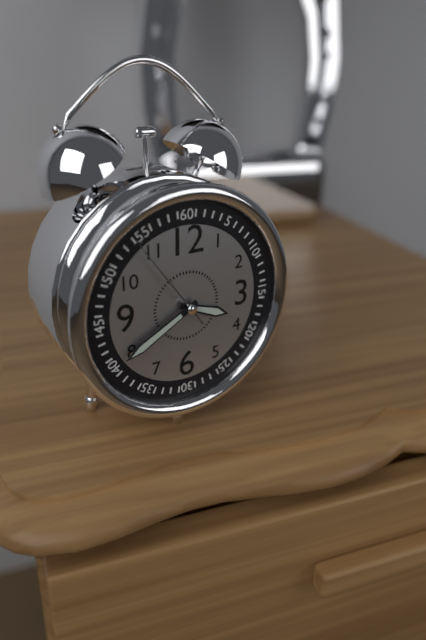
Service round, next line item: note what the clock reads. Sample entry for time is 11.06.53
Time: 3.40.54
